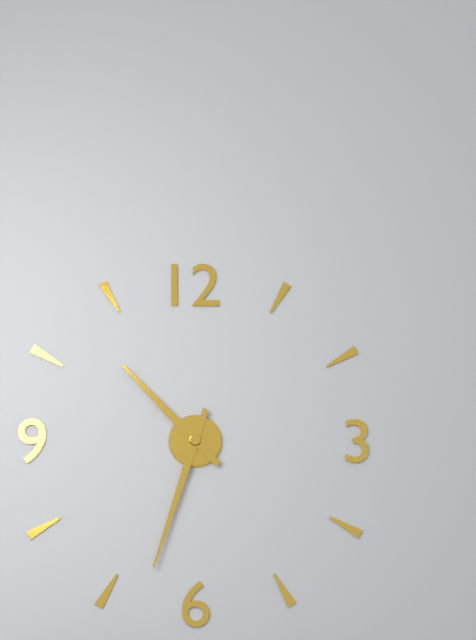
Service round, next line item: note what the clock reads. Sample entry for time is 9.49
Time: 10.33
